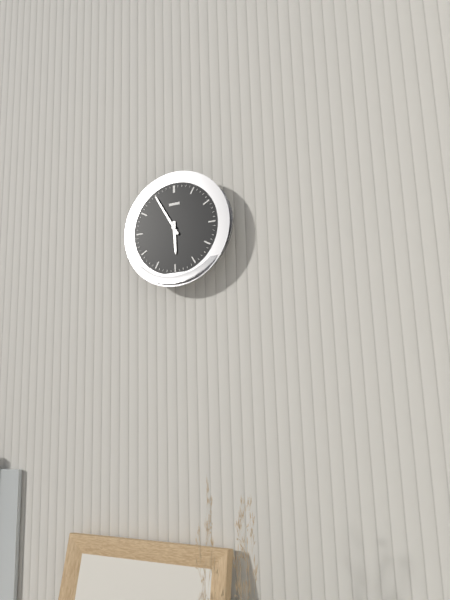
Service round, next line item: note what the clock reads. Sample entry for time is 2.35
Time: 5.55
